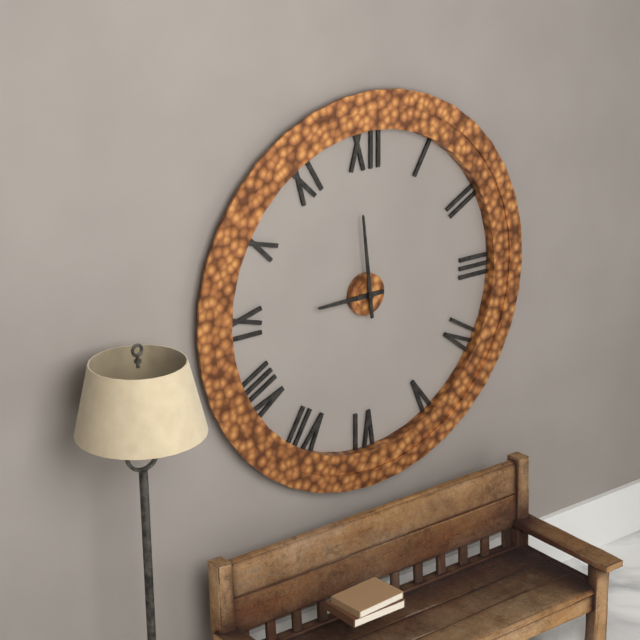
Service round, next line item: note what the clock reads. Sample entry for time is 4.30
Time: 8.59
